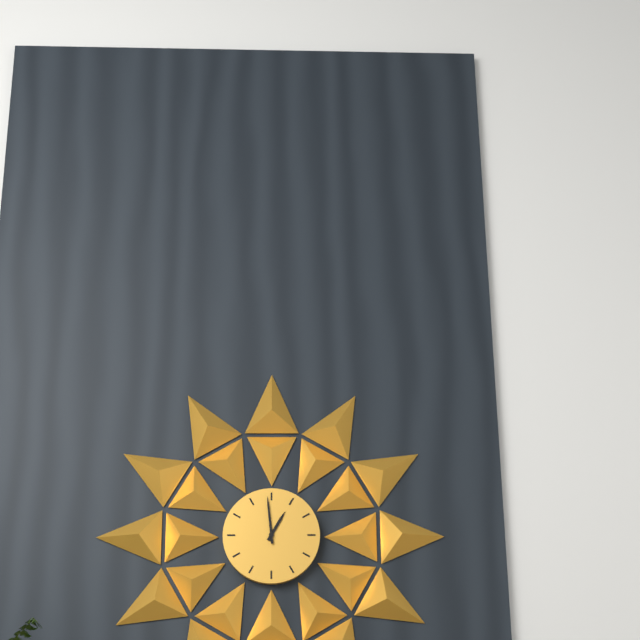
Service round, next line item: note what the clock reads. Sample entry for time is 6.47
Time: 12.59
